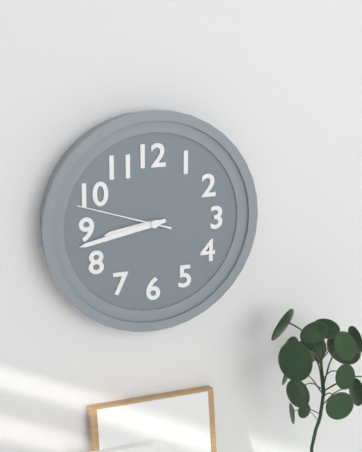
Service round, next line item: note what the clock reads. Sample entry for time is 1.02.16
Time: 8.43.48
